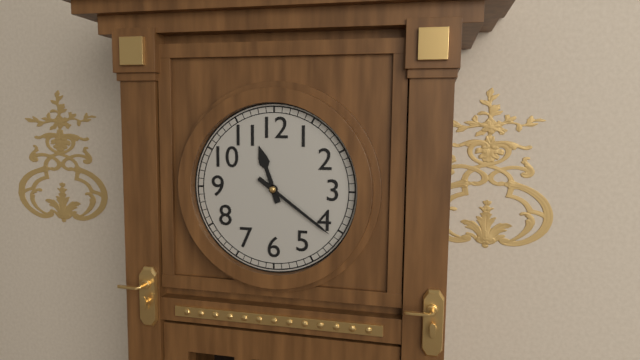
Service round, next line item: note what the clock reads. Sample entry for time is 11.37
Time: 11.21
